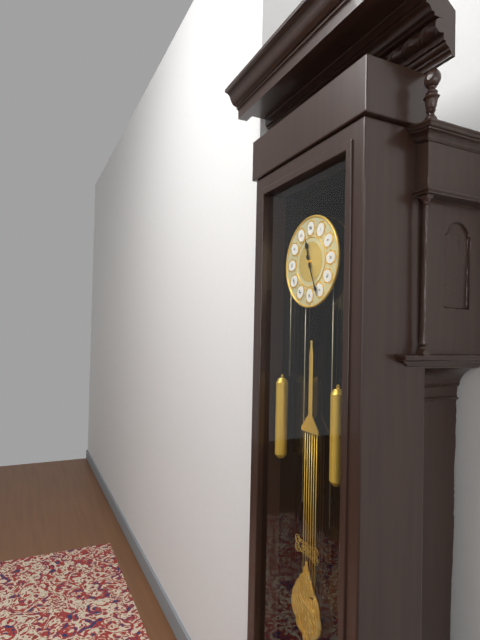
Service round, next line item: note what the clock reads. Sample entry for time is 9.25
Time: 11.26
